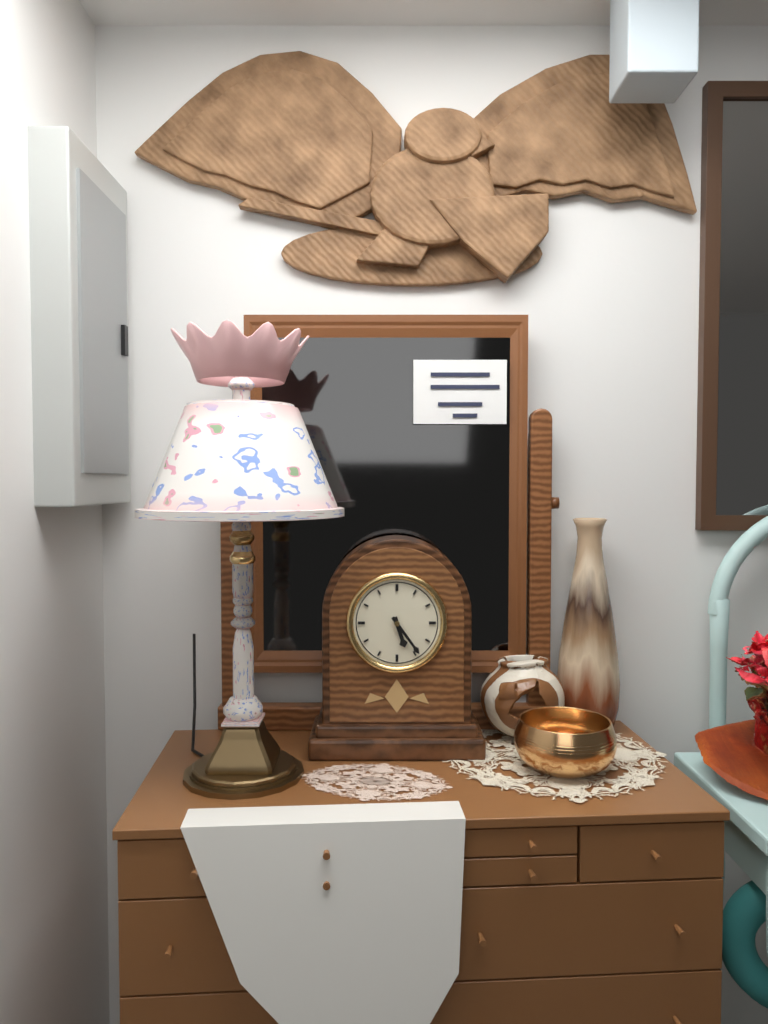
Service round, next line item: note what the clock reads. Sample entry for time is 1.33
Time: 5.24
